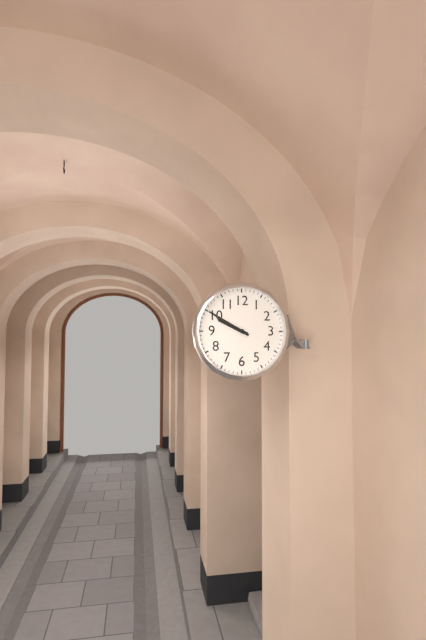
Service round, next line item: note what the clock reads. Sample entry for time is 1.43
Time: 9.50
